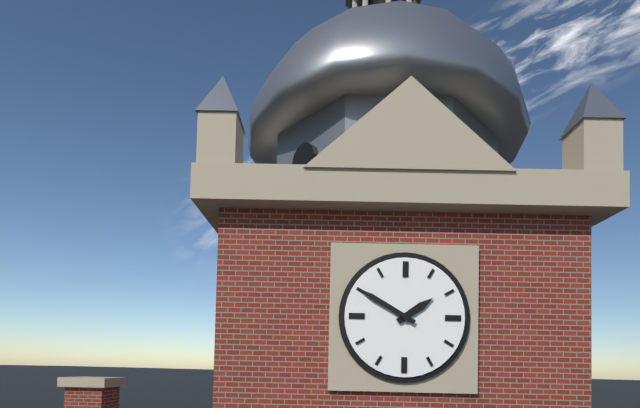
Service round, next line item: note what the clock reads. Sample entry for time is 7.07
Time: 1.50
